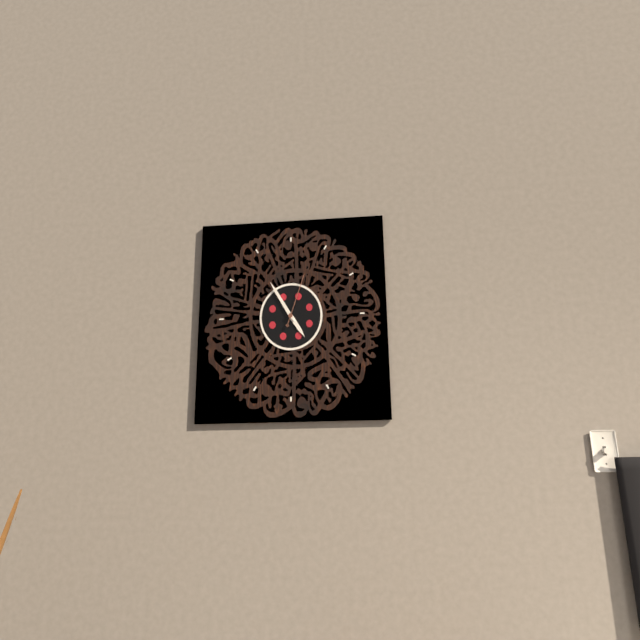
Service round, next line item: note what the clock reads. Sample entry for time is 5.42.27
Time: 4.55.03
